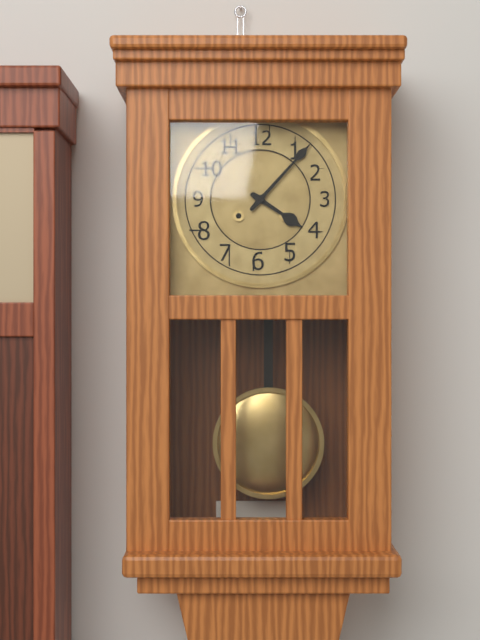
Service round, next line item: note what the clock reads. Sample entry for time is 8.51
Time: 4.07
